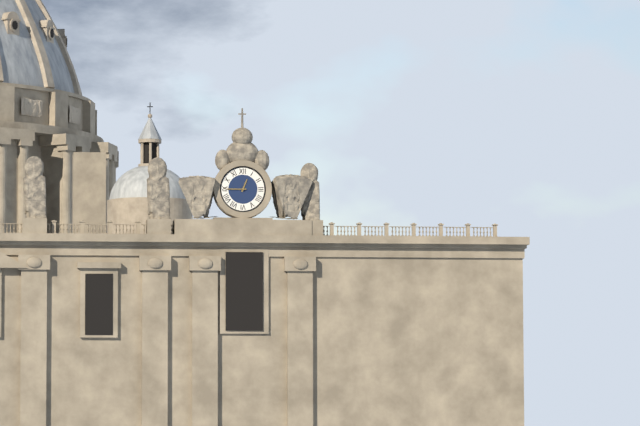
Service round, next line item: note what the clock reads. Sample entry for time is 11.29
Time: 12.45
